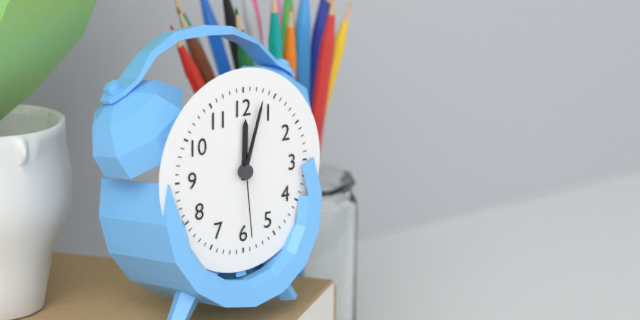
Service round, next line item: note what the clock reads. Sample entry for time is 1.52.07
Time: 12.03.29
